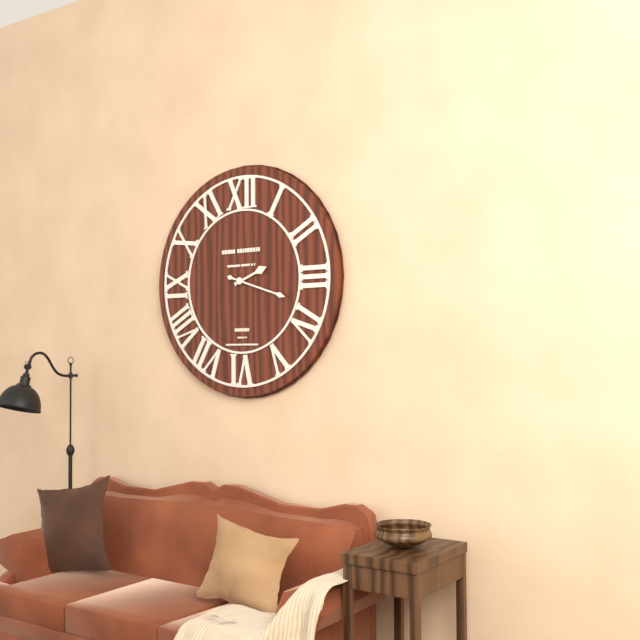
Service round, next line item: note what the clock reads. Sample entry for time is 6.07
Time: 2.18
